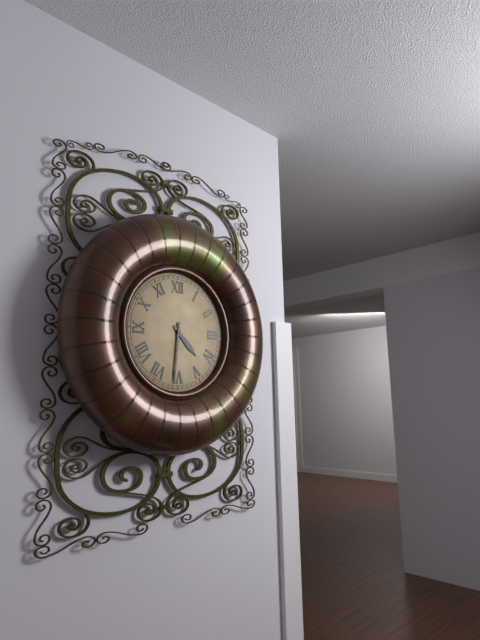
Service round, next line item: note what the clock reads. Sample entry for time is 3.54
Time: 4.31
